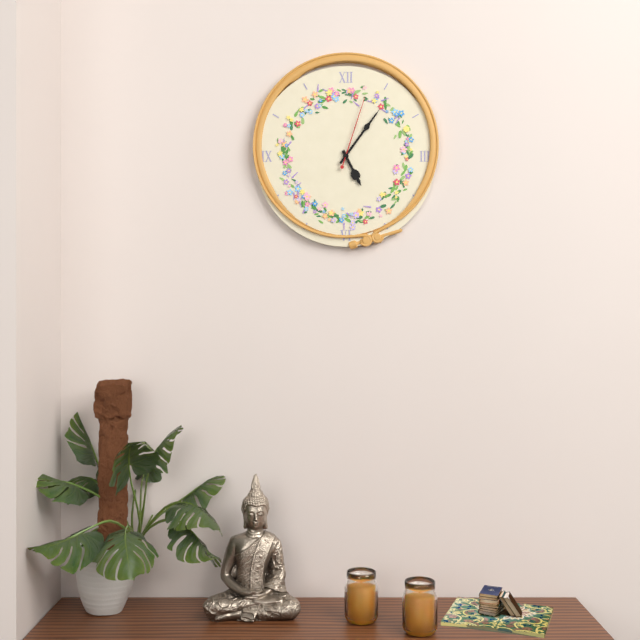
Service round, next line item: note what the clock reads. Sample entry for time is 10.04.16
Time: 5.06.03
